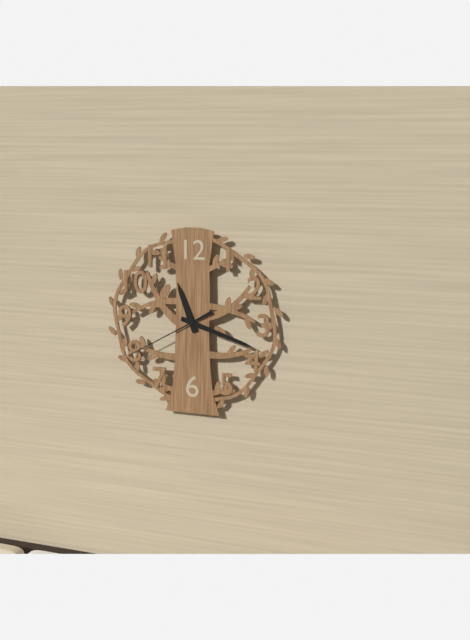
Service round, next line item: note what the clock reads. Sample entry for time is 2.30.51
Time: 11.18.40
